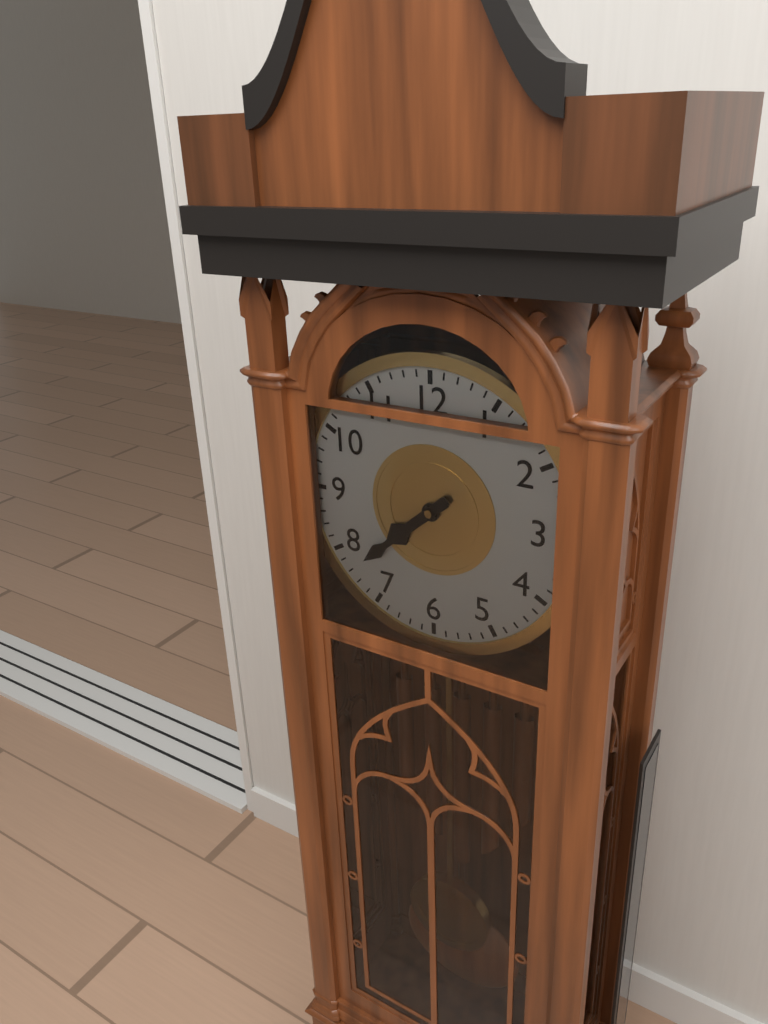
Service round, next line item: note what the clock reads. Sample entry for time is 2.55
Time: 7.38
